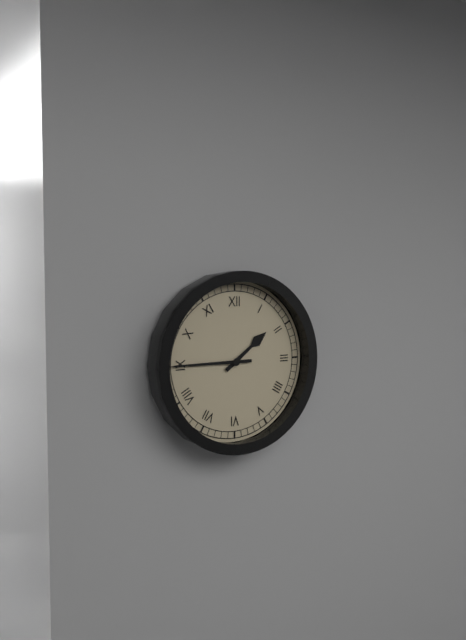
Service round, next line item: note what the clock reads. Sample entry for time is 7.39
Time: 1.45
